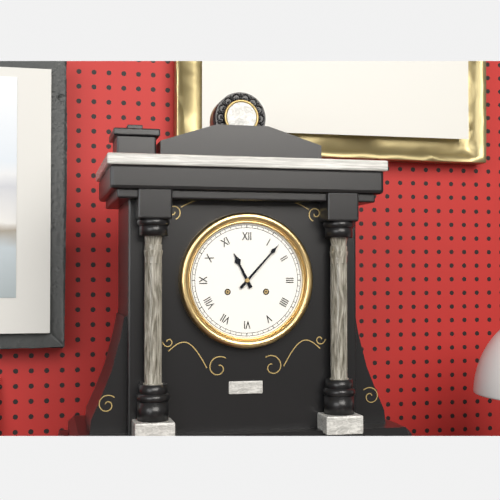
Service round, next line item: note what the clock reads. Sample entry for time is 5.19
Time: 11.07
